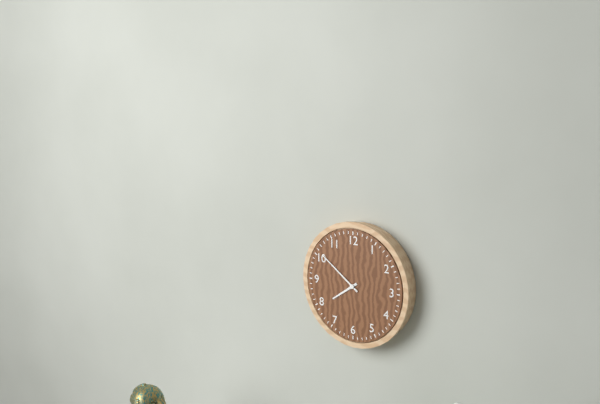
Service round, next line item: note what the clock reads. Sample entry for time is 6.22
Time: 7.51
